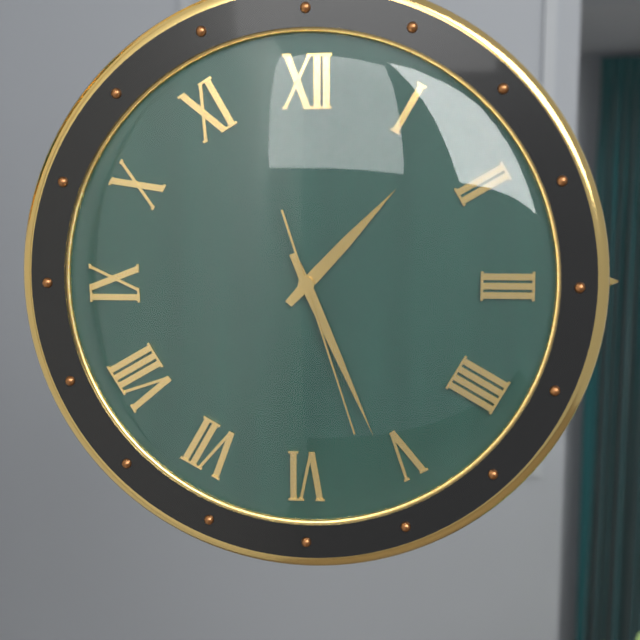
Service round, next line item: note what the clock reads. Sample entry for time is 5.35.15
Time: 1.26.27
